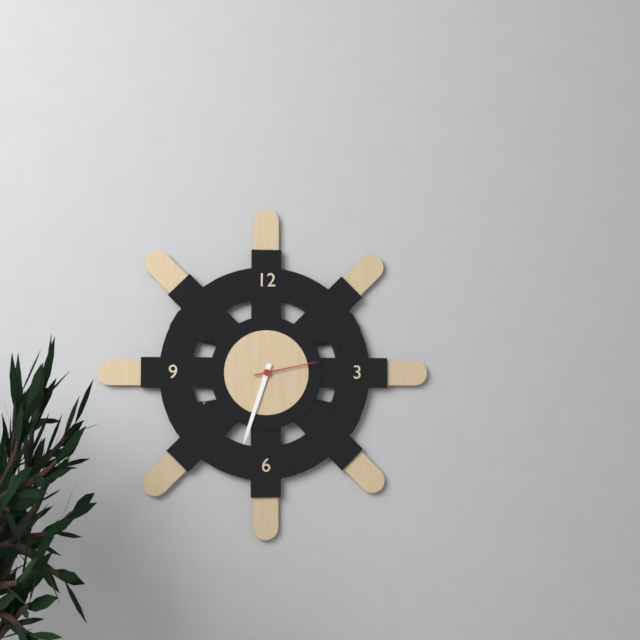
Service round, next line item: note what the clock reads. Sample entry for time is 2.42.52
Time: 6.33.13
